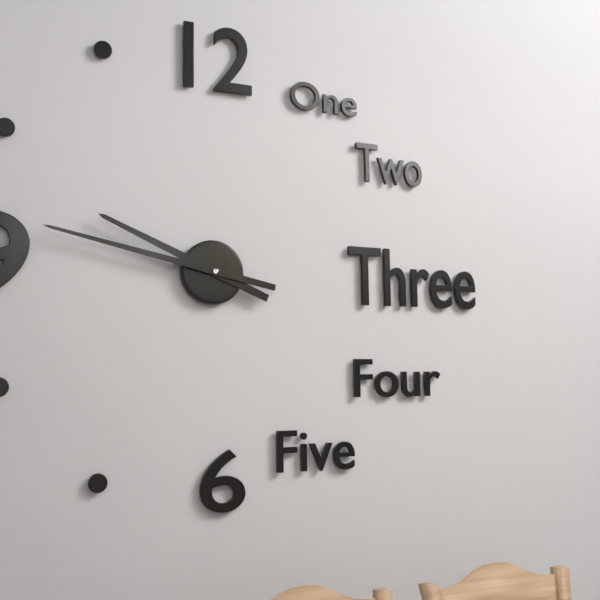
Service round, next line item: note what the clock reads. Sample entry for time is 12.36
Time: 9.47
